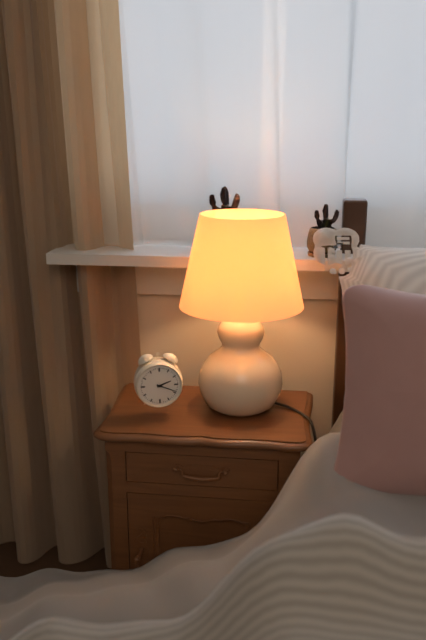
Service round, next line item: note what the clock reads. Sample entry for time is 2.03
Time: 2.19
